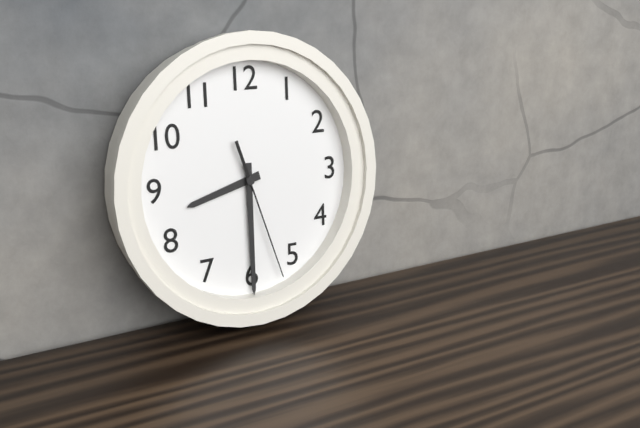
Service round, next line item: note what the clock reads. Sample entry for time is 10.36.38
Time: 8.30.27
